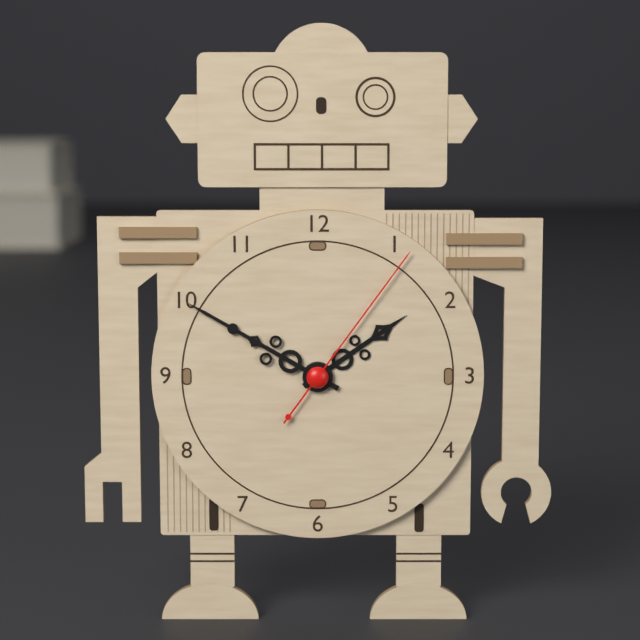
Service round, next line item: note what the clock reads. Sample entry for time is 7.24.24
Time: 1.50.06
